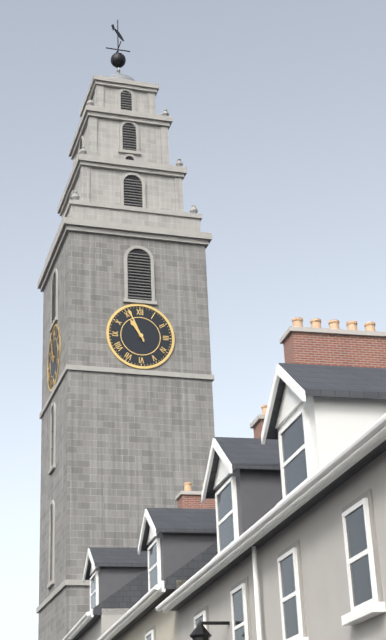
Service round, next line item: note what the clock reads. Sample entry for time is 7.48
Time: 10.56
